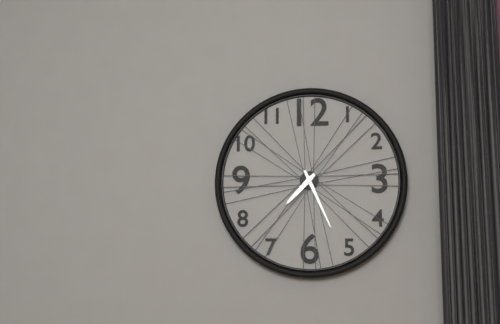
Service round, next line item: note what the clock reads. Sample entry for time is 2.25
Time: 7.26
